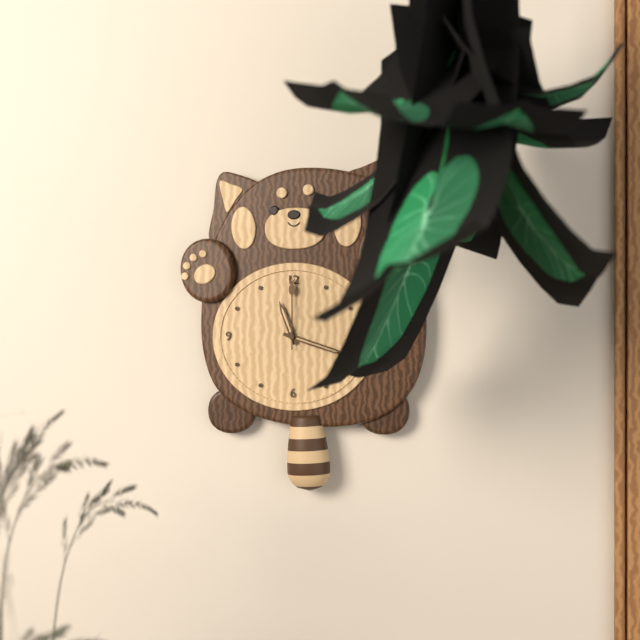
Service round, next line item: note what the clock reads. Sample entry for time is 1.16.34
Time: 11.18.00
